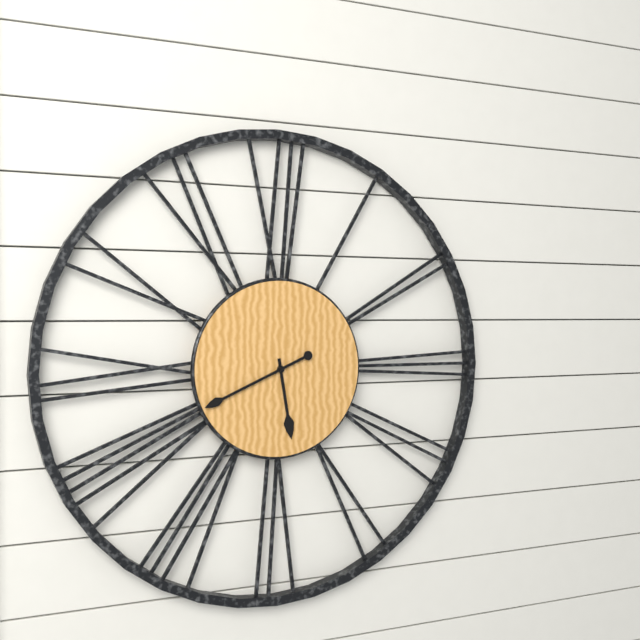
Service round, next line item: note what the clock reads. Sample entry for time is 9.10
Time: 5.41
